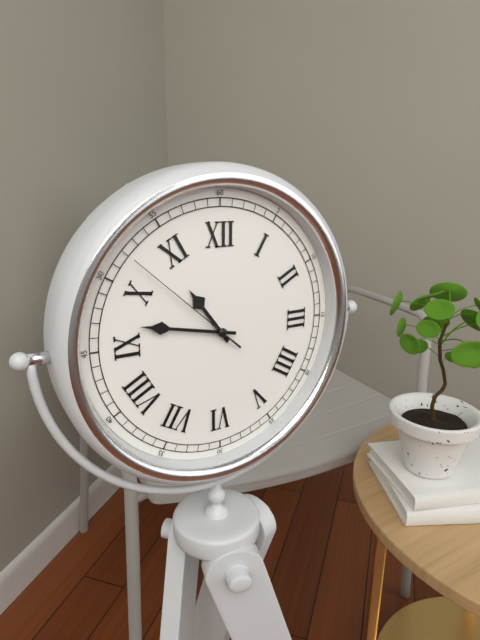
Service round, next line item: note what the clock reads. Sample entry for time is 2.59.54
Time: 10.47.52
